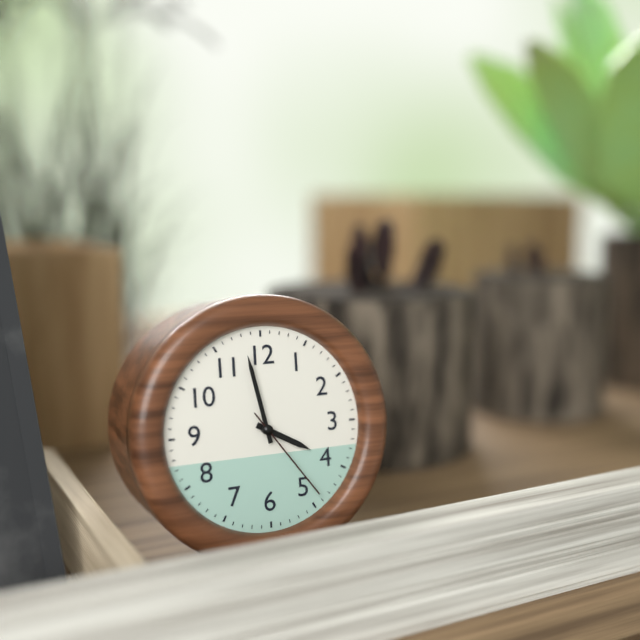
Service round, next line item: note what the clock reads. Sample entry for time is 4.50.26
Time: 3.58.24
